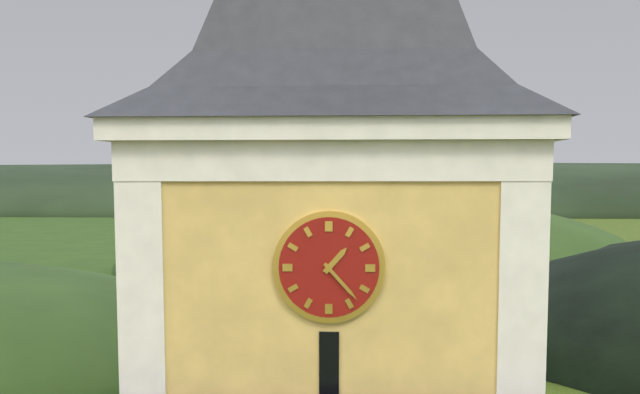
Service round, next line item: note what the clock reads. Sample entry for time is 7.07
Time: 1.23
